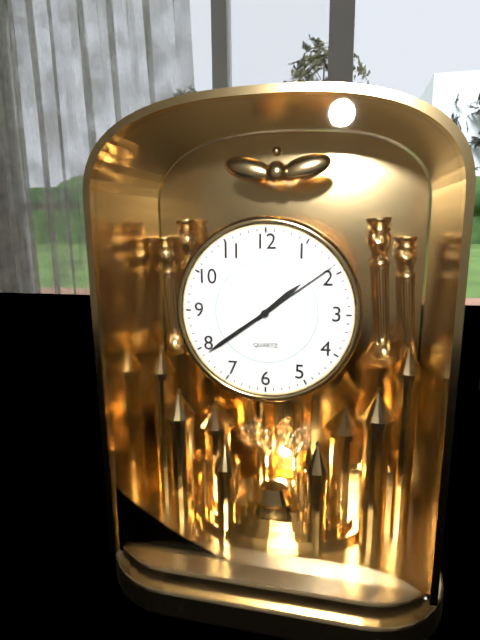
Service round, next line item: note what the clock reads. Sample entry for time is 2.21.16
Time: 1.39.09
